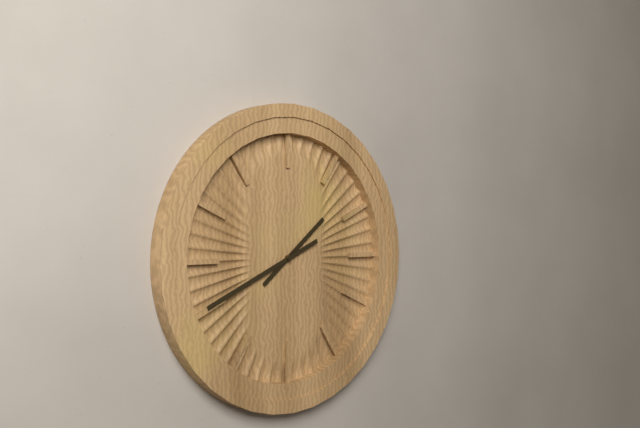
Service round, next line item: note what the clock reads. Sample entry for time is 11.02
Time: 1.41
